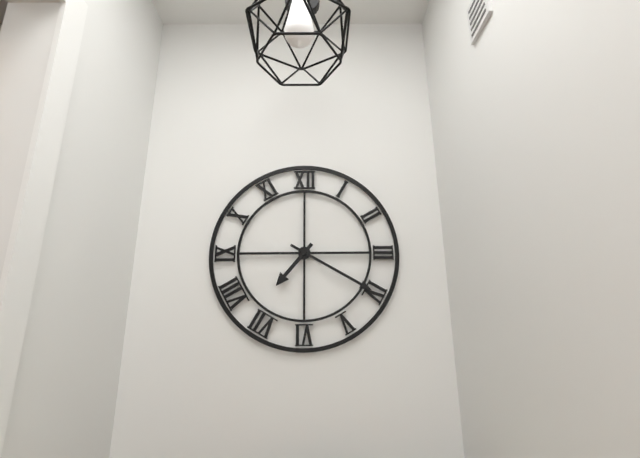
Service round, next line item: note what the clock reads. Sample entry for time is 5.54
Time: 7.20
